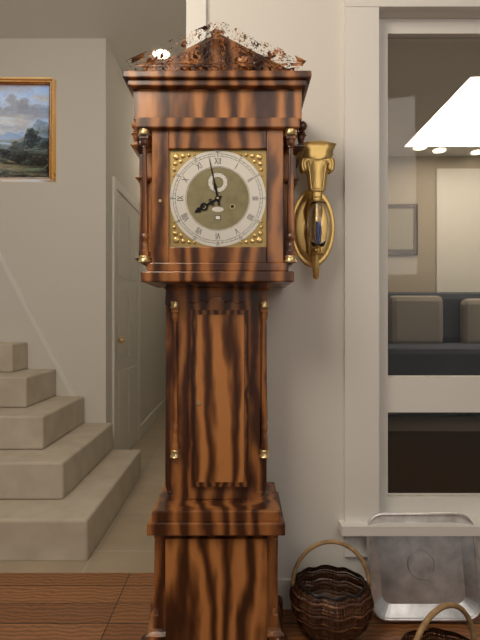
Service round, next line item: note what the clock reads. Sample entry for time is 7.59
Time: 7.58
